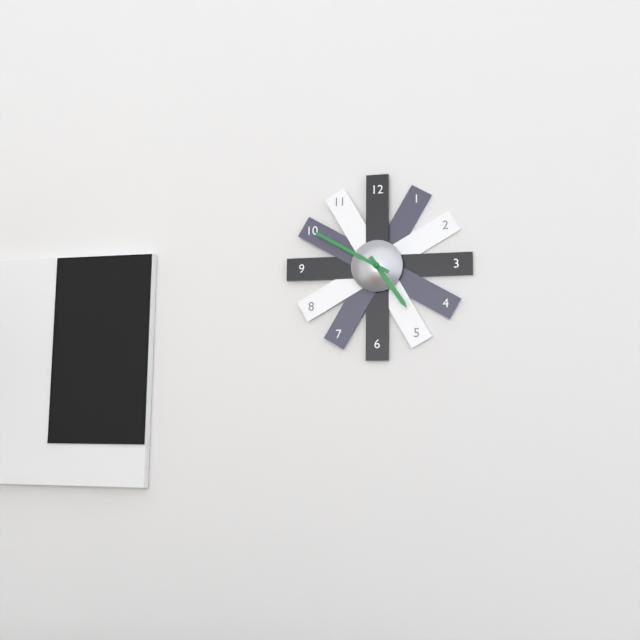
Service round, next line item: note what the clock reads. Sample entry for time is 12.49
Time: 4.50
